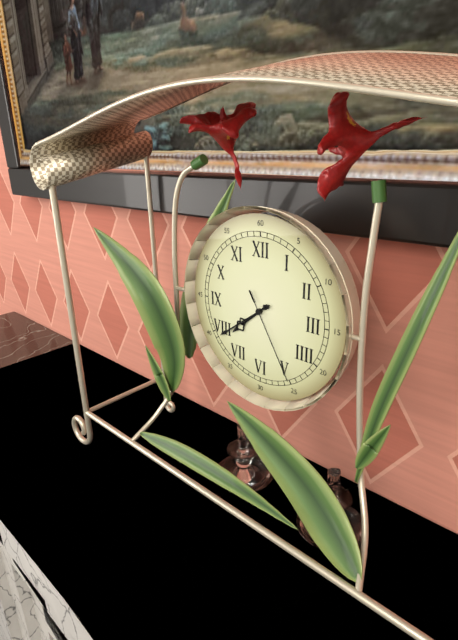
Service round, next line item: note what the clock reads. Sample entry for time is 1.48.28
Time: 7.39.25
